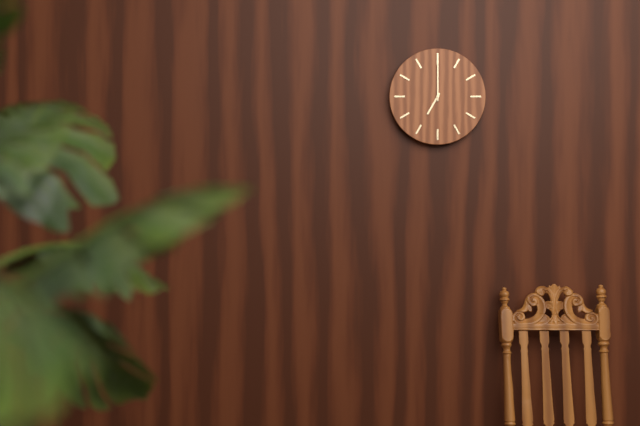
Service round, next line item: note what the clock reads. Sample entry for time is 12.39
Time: 7.00
